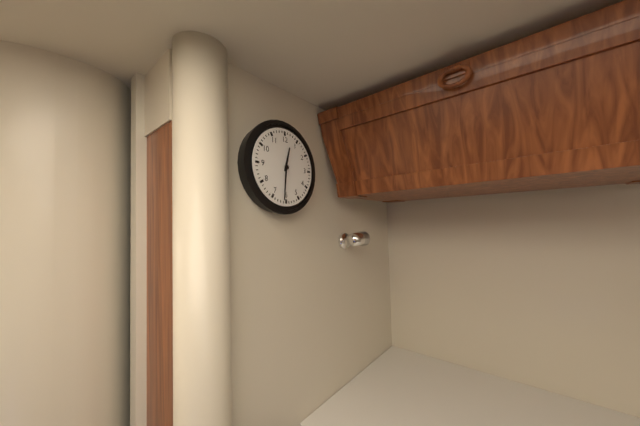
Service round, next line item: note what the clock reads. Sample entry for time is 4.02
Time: 12.31
